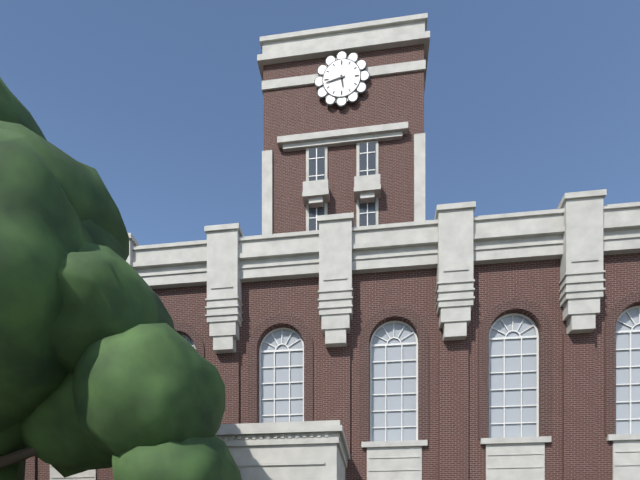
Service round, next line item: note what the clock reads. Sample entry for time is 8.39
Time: 5.43
